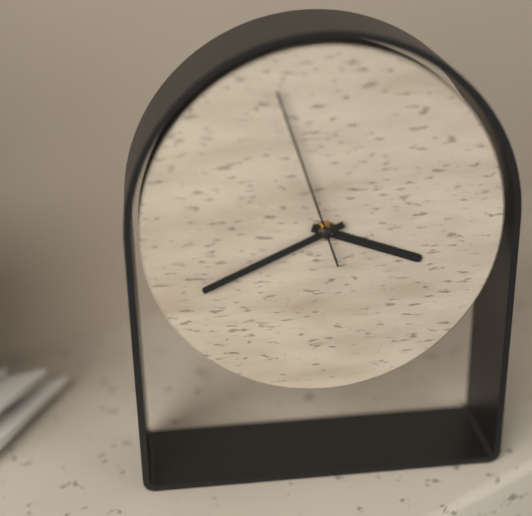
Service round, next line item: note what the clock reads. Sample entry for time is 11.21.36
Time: 3.41.57
